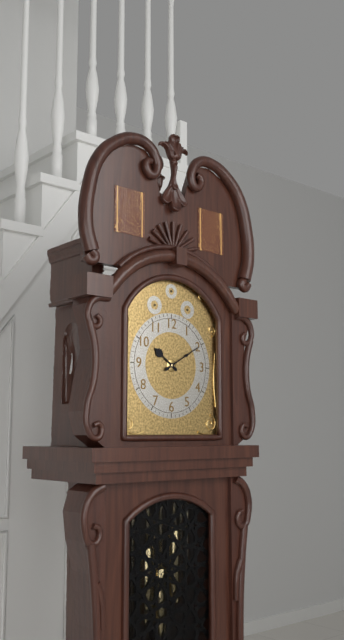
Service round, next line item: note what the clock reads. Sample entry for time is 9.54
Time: 10.10
